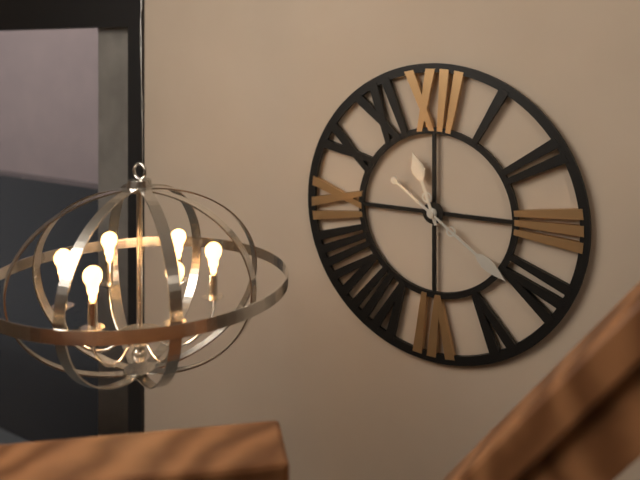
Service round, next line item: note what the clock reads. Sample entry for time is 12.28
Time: 11.21
